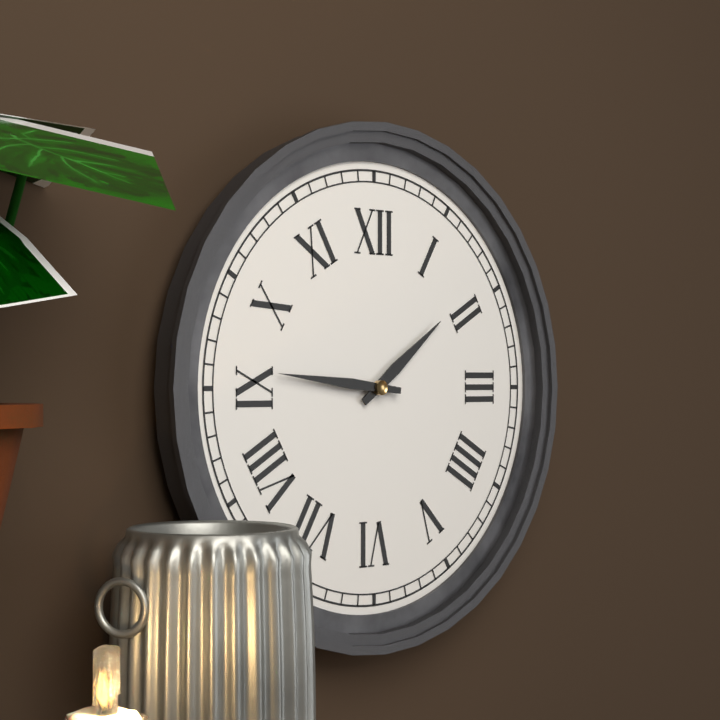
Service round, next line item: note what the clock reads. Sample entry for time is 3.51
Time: 1.46
